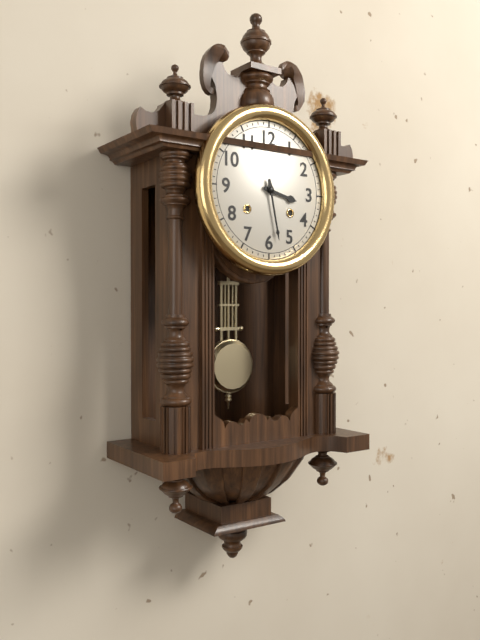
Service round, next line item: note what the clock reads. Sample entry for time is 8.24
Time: 3.28
